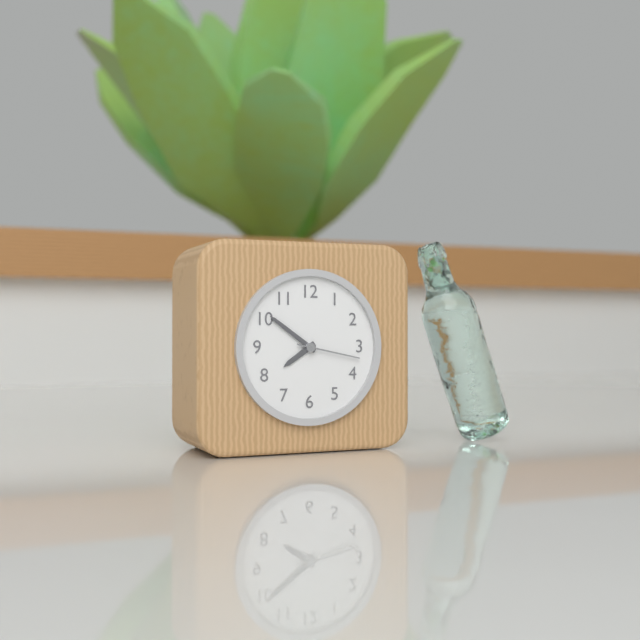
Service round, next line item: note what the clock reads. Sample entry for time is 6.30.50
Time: 7.51.17
